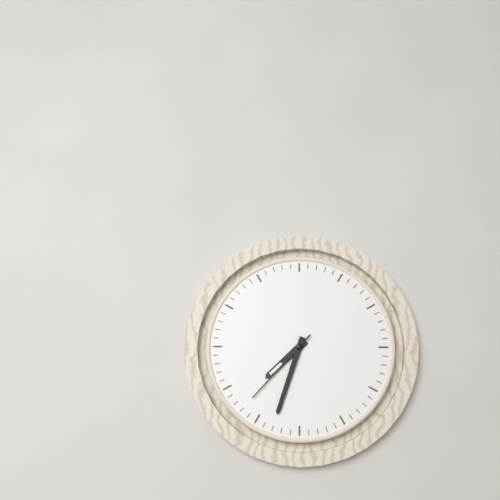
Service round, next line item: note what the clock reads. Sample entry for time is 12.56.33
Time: 7.33.37
